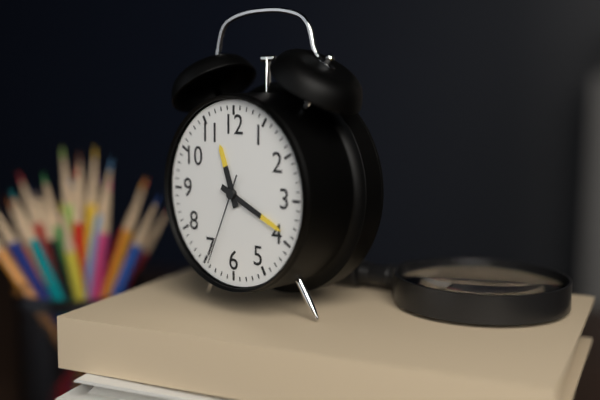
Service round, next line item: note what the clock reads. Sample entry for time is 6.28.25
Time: 11.19.34
